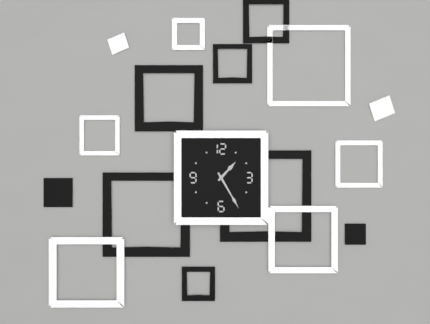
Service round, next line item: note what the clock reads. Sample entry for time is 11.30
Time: 1.25
